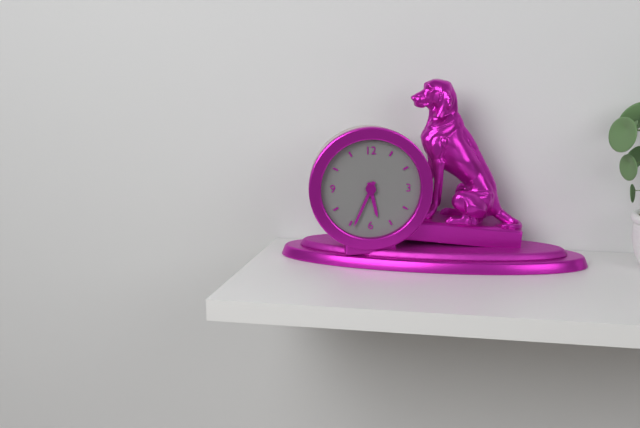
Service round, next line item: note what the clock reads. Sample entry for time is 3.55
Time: 5.34
